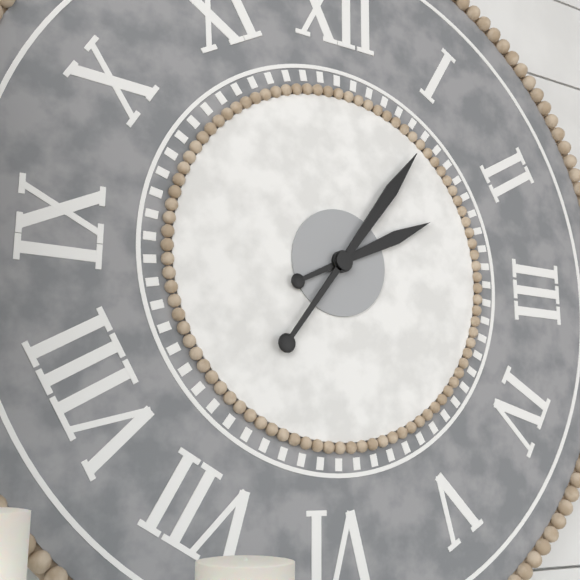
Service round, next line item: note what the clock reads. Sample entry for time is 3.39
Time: 2.06
